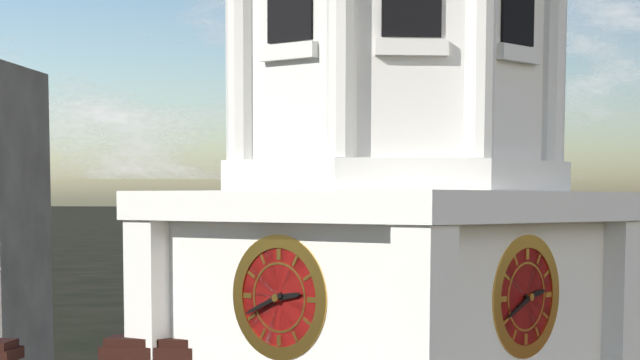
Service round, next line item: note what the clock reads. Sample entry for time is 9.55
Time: 2.41
